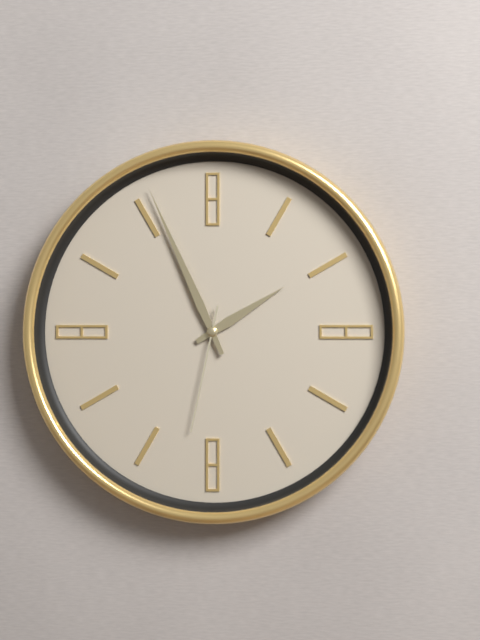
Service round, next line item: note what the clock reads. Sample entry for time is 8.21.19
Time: 1.56.32
